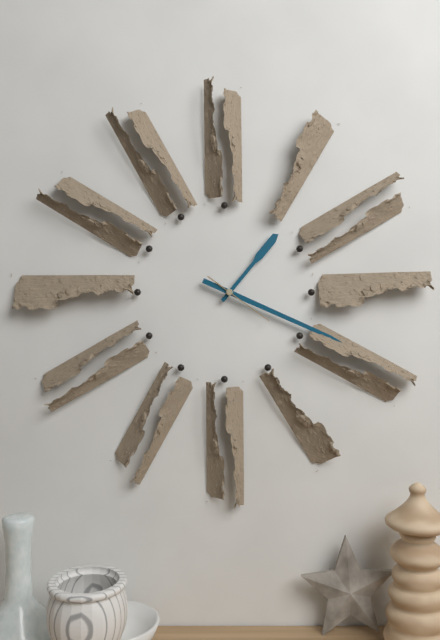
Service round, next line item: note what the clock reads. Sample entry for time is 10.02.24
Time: 1.19.21
